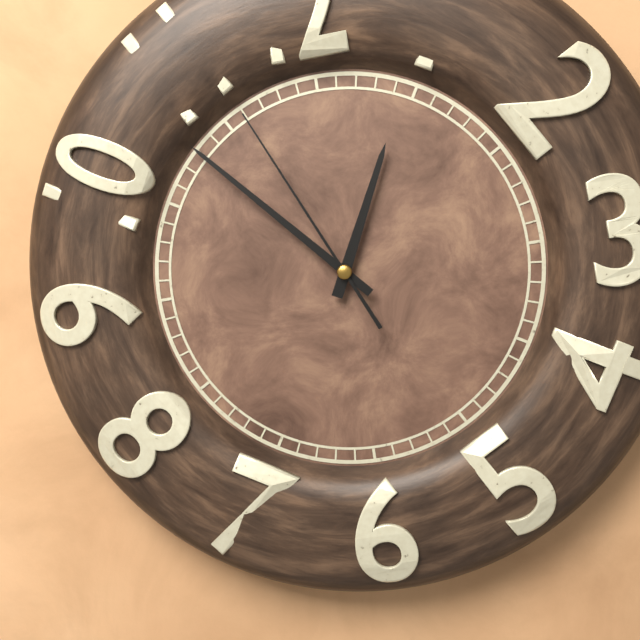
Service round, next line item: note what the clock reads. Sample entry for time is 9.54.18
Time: 12.53.56
